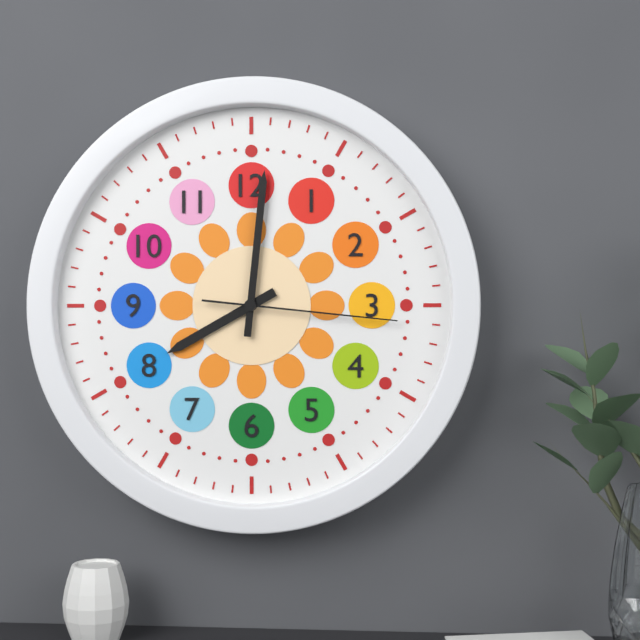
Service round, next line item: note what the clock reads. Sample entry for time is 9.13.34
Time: 8.01.16
